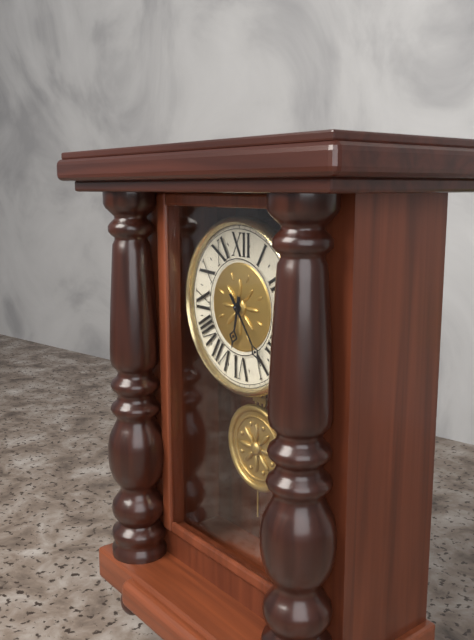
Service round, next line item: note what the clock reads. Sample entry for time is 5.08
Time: 6.24
